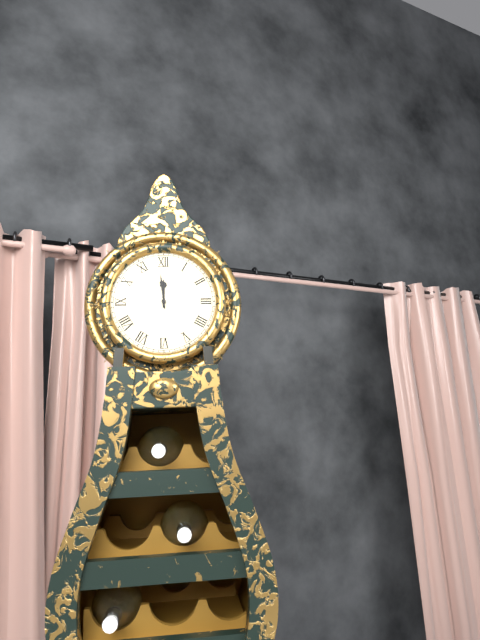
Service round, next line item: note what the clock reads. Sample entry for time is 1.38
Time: 11.59
